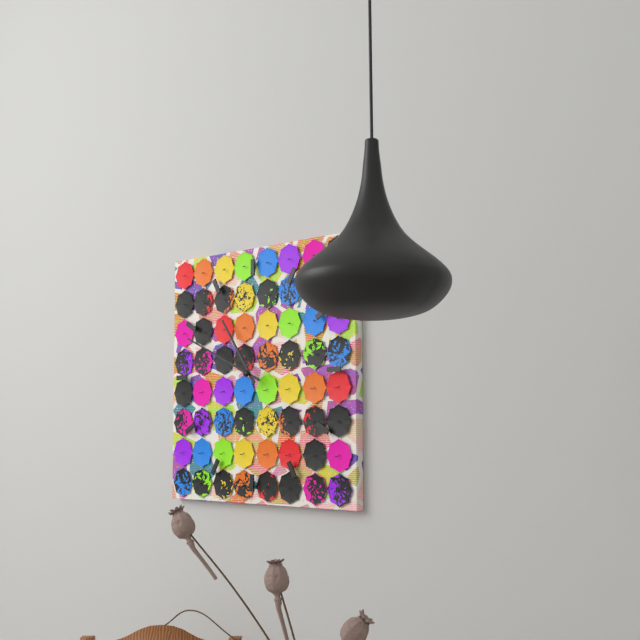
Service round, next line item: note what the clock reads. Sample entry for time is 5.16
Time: 10.49
